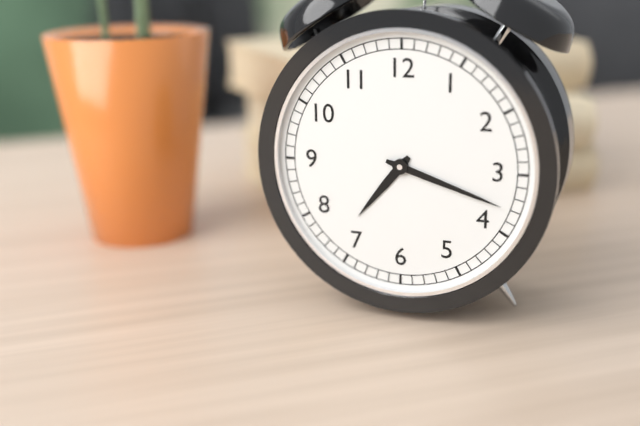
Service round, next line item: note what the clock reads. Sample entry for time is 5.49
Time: 7.18
